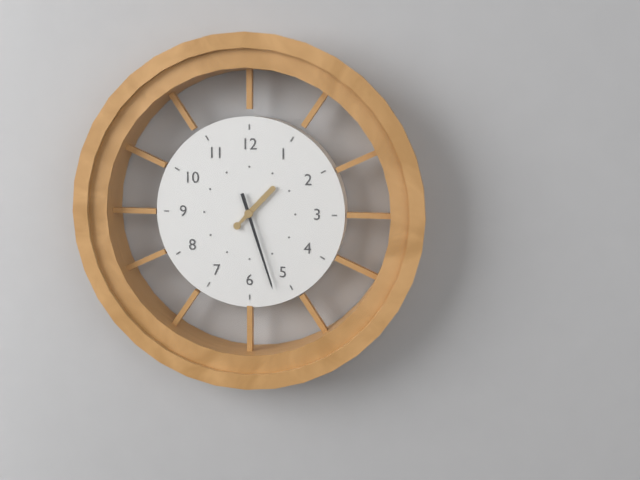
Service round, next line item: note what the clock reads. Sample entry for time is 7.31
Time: 1.27
